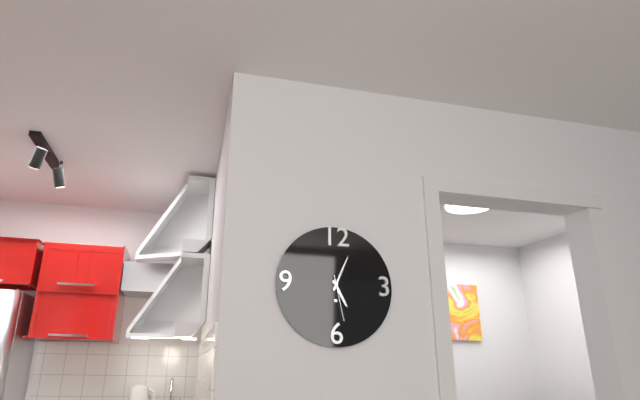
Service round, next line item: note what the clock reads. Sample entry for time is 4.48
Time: 5.04
